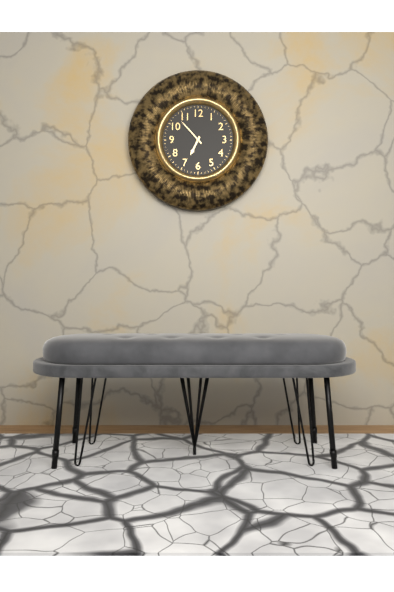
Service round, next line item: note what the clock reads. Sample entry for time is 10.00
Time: 6.53
